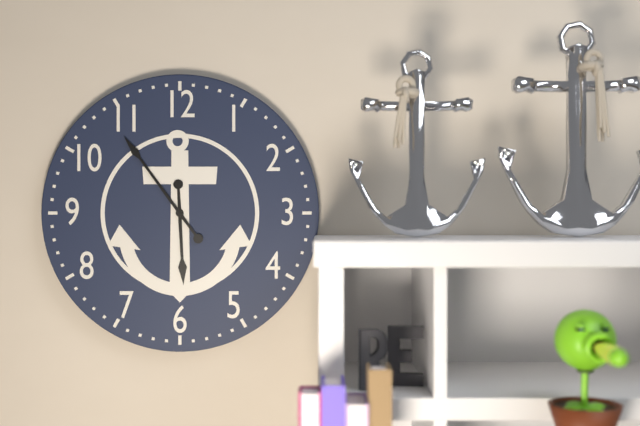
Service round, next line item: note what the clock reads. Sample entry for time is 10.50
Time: 5.54
